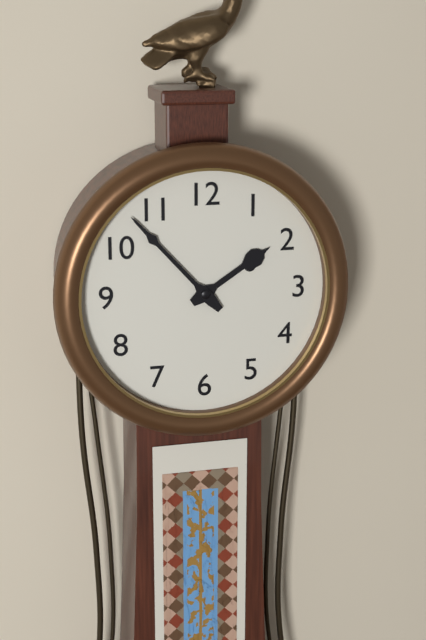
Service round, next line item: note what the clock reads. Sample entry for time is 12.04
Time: 1.53
